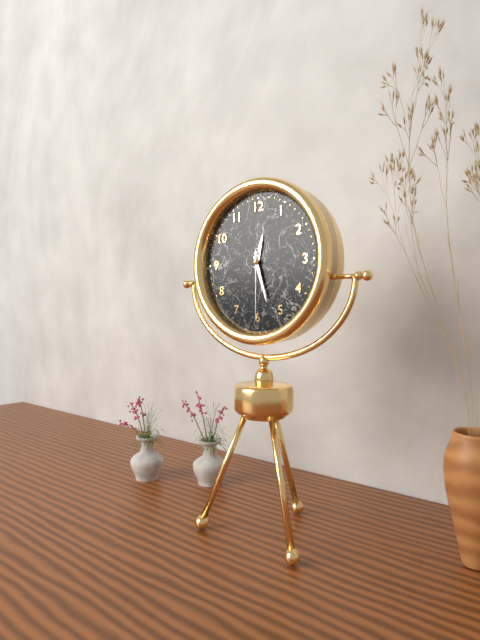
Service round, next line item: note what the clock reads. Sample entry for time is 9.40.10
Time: 12.27.30
